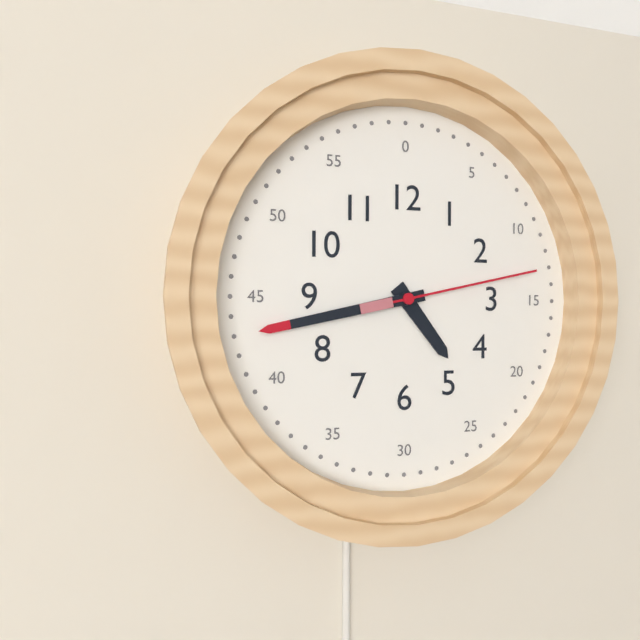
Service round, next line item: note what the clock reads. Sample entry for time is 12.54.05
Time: 4.43.13
